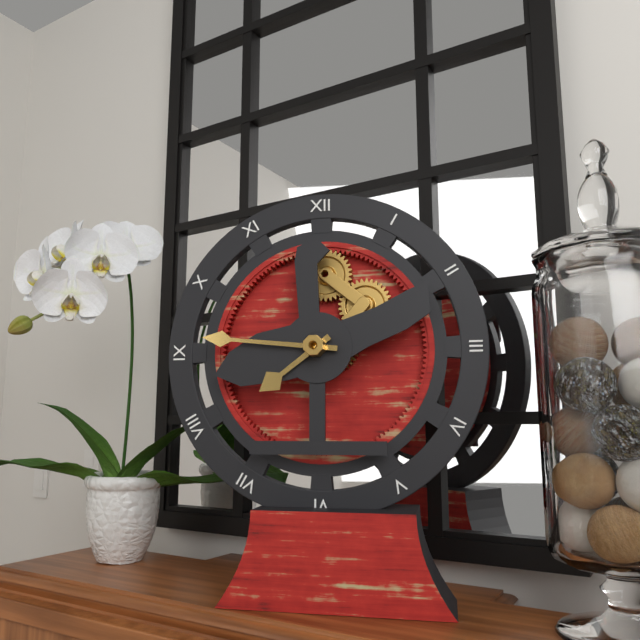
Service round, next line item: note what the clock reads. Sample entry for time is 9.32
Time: 7.46
